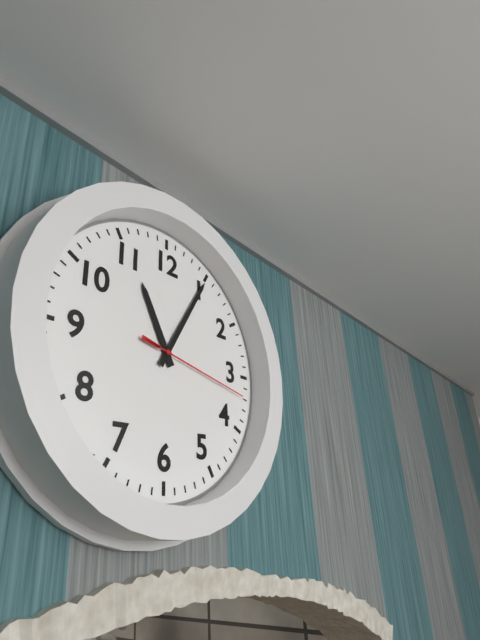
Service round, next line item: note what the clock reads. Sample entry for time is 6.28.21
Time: 11.05.17
